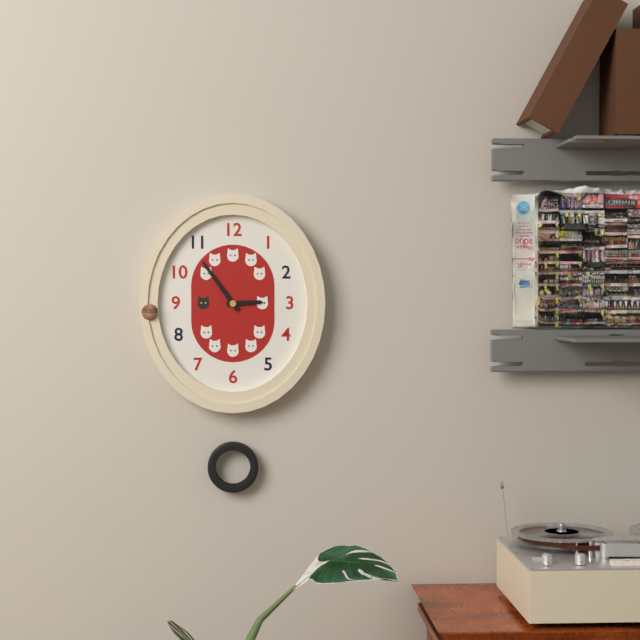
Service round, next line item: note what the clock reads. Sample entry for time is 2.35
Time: 2.54
